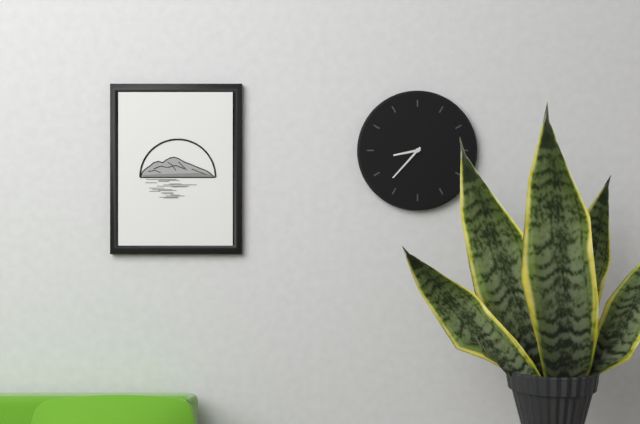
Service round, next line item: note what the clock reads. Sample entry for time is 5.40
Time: 8.37
